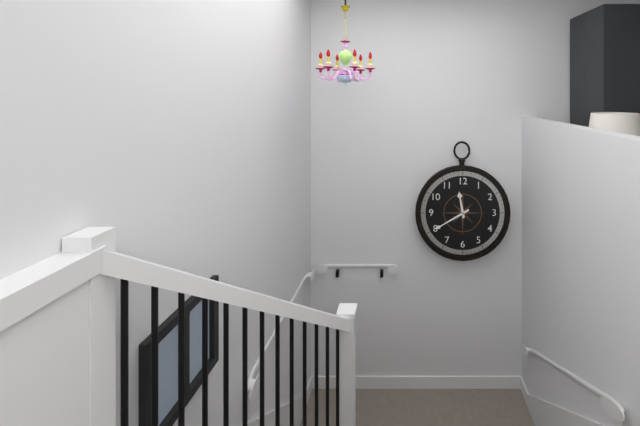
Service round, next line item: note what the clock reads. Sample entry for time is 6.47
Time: 11.40
